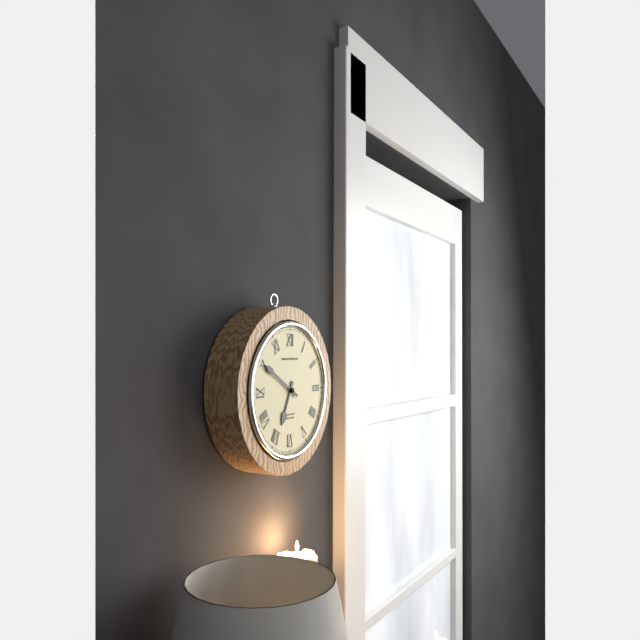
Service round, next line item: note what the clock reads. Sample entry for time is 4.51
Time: 6.50
